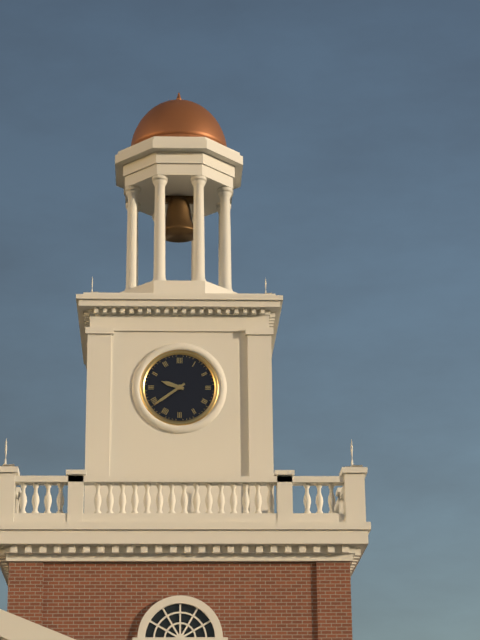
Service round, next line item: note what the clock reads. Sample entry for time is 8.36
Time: 9.39
